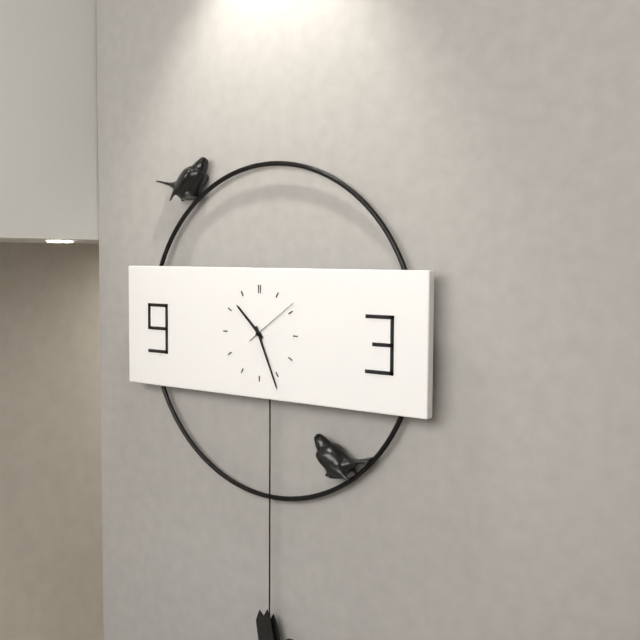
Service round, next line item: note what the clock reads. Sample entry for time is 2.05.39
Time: 10.26.09
